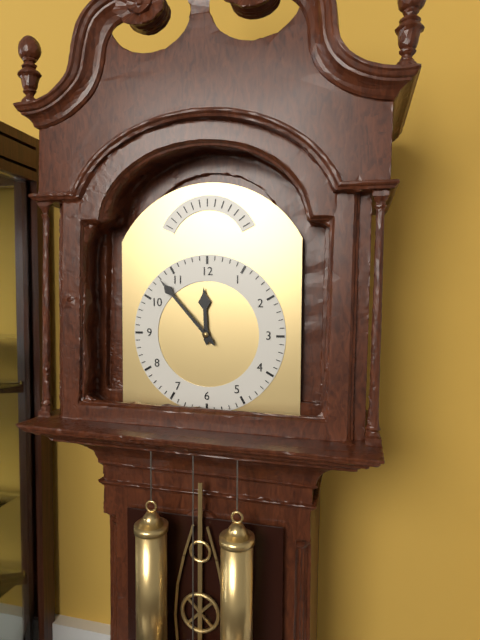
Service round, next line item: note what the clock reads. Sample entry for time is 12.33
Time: 11.53
